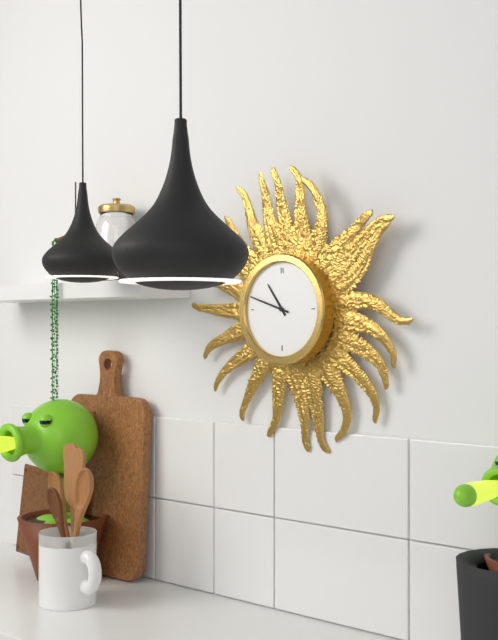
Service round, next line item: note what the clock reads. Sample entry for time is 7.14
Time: 10.48
